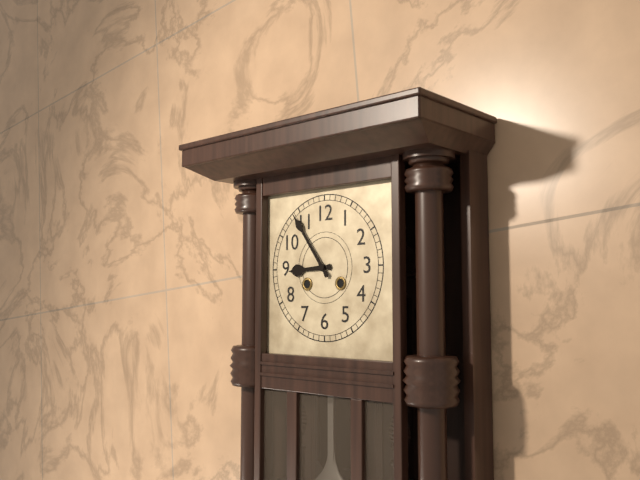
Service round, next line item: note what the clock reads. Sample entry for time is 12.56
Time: 8.54
